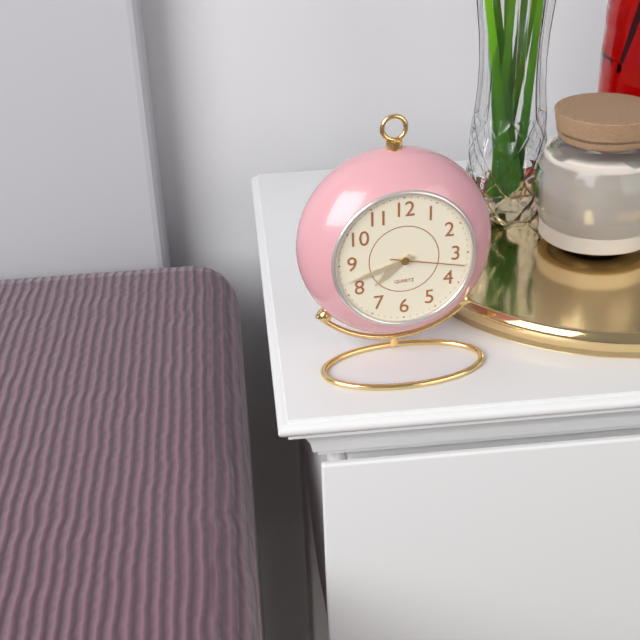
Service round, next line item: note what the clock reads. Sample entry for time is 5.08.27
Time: 7.42.17
